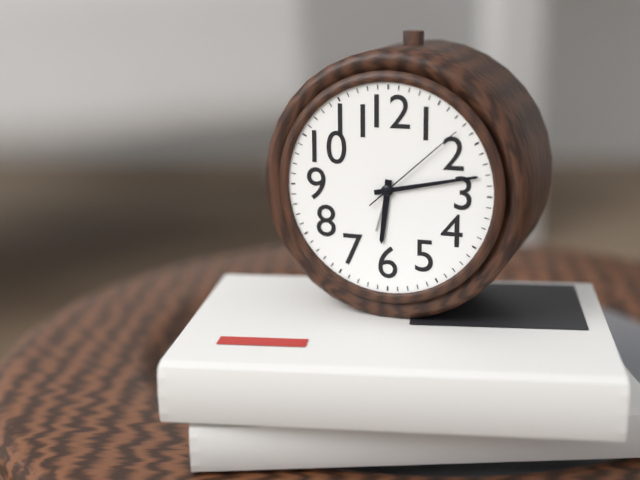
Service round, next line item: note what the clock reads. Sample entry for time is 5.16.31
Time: 6.13.08
